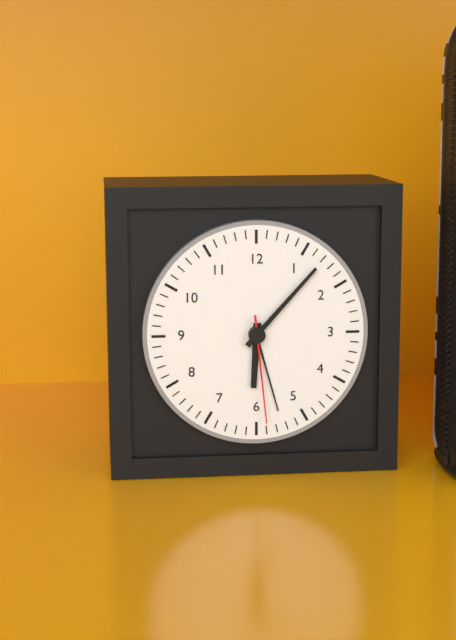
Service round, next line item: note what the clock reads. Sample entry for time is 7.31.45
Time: 6.07.29
